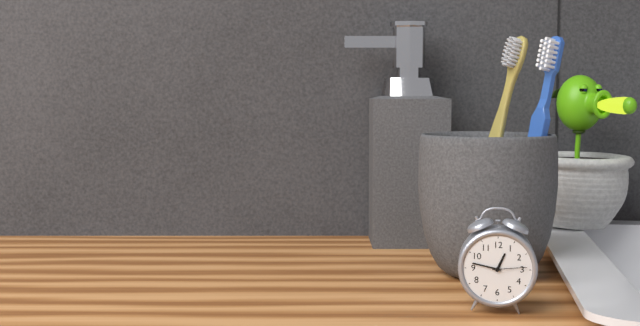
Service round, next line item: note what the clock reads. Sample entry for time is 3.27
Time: 12.47
